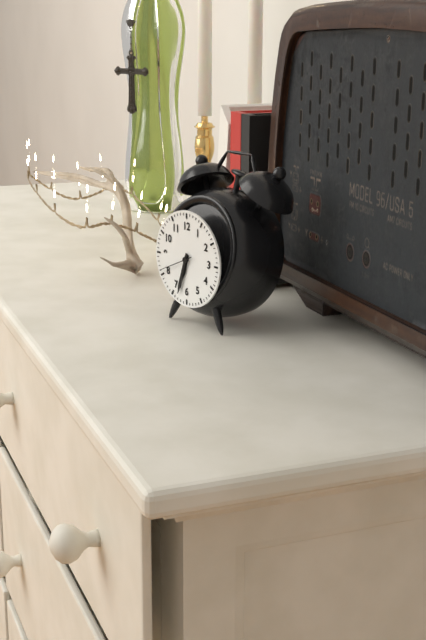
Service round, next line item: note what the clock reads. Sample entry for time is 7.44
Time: 6.33
